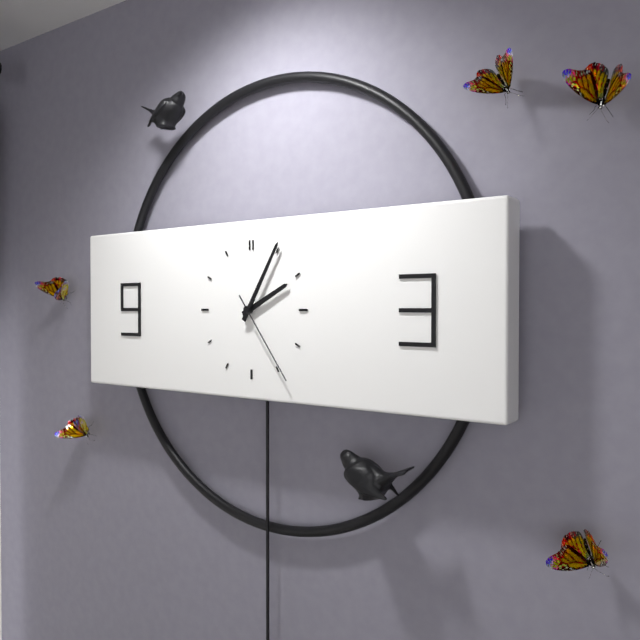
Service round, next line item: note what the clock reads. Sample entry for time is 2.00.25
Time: 2.05.24
